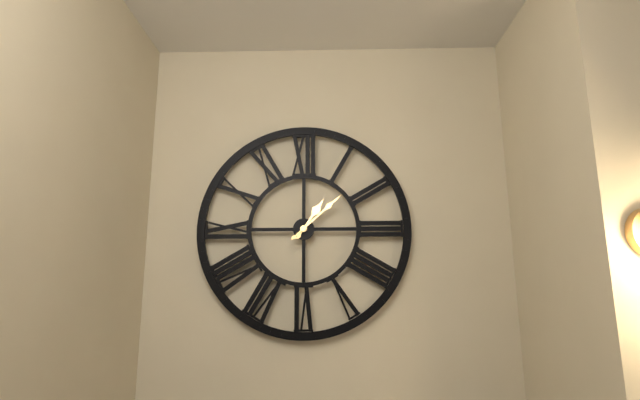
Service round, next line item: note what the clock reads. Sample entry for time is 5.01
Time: 1.08
